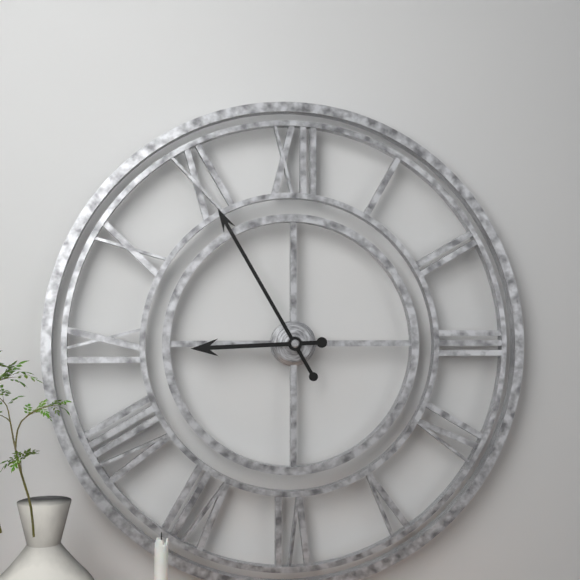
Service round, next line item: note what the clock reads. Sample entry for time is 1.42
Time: 8.55
